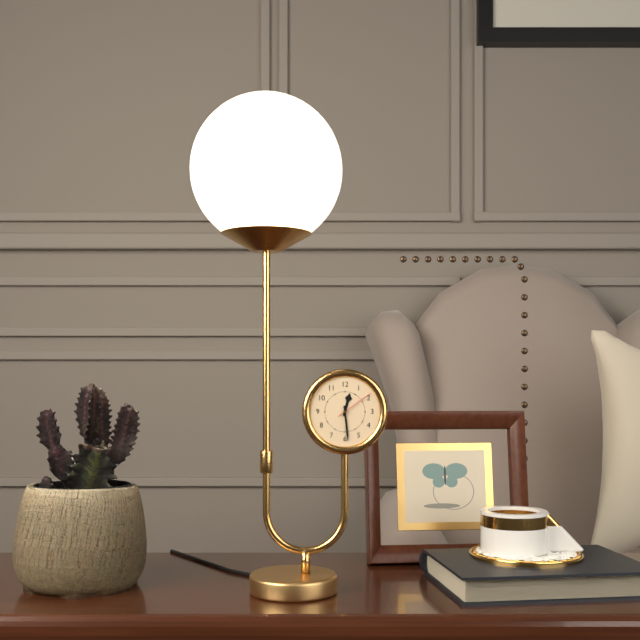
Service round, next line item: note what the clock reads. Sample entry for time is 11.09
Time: 12.29
